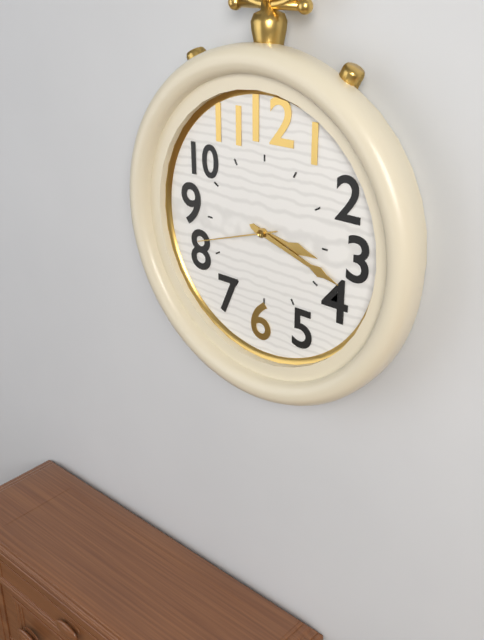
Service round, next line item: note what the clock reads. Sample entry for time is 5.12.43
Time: 3.18.42
